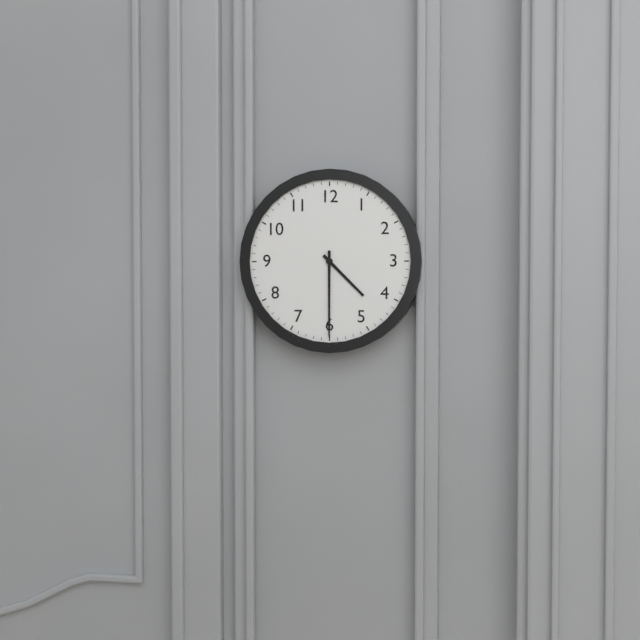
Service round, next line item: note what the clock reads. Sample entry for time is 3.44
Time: 4.30
